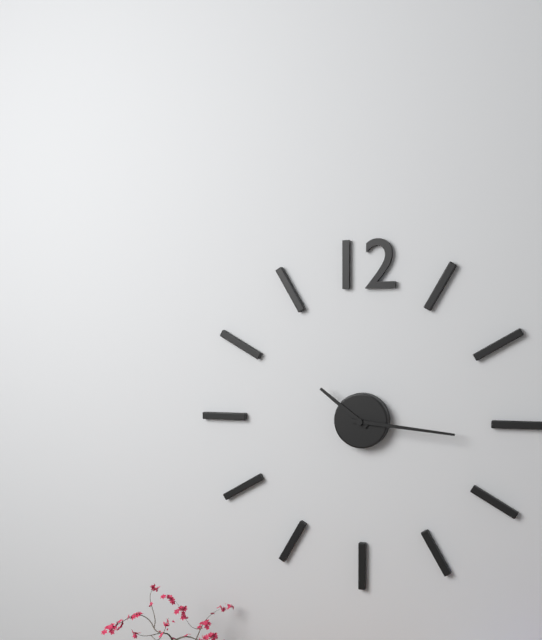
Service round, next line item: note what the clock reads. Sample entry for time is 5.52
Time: 10.16
